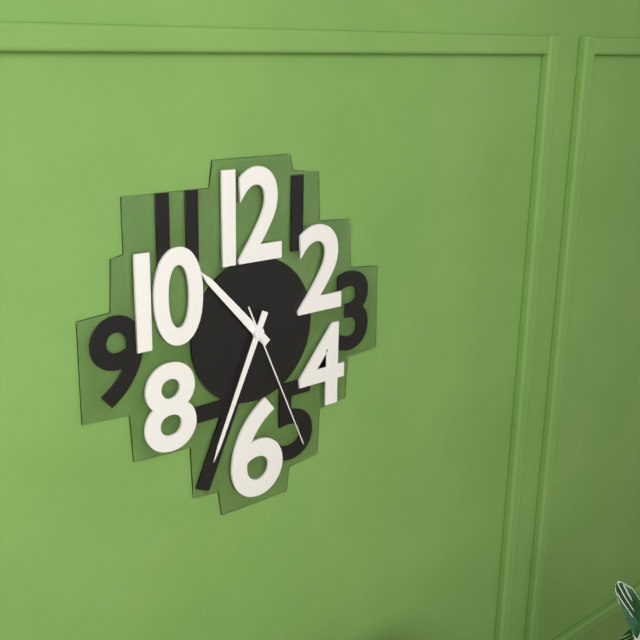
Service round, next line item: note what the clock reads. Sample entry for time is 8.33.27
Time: 10.34.26
